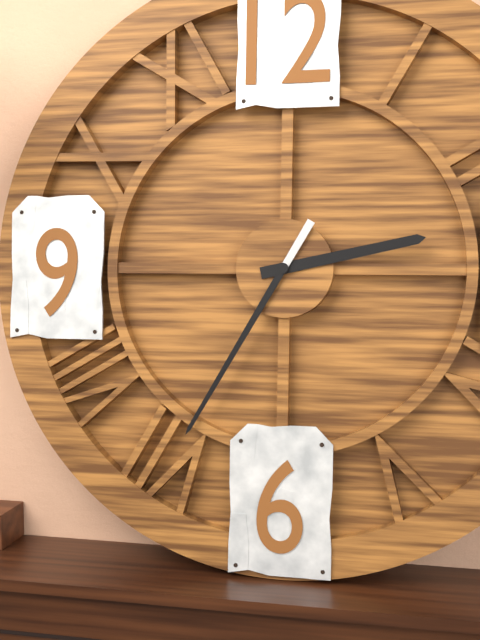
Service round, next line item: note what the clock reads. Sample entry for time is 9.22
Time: 2.35
